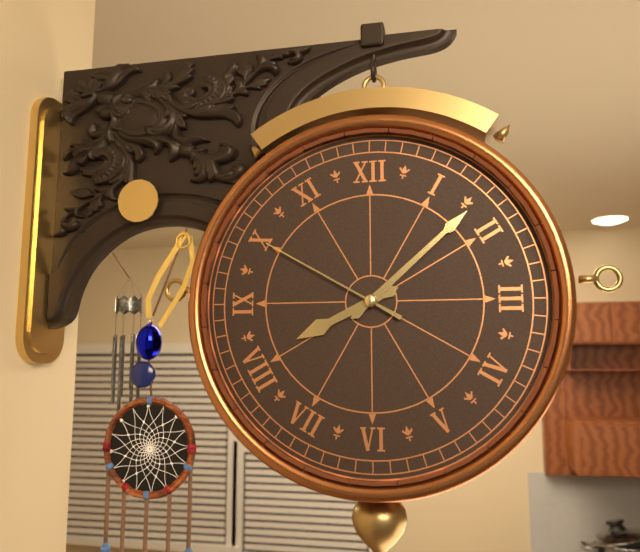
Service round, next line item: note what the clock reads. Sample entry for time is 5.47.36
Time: 8.08.50
